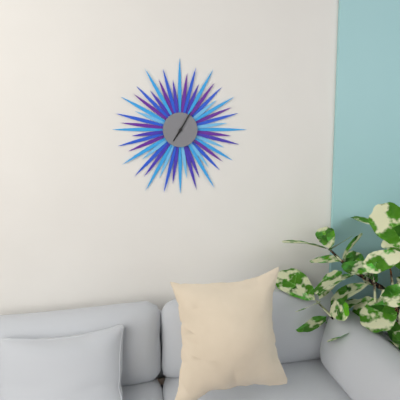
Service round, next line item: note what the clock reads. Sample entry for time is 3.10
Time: 7.05
